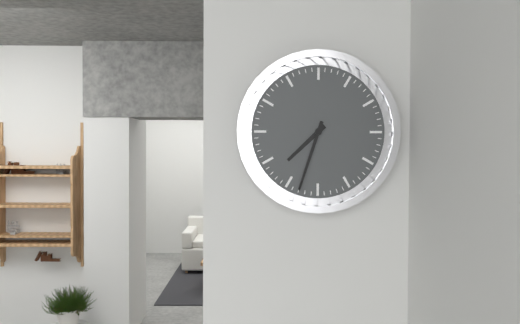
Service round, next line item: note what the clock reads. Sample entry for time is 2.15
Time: 7.33
